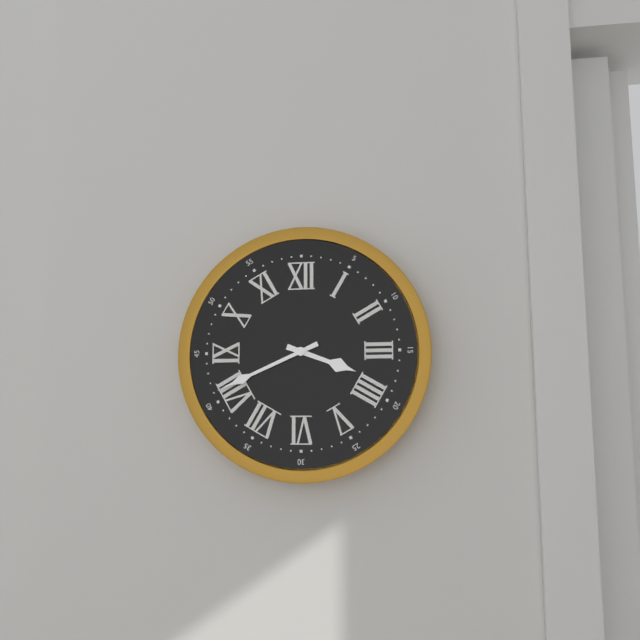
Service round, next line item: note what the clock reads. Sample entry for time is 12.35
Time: 3.41
